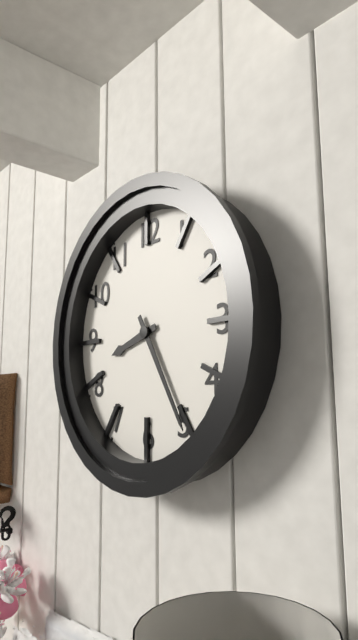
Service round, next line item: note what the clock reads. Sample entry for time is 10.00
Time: 8.25
